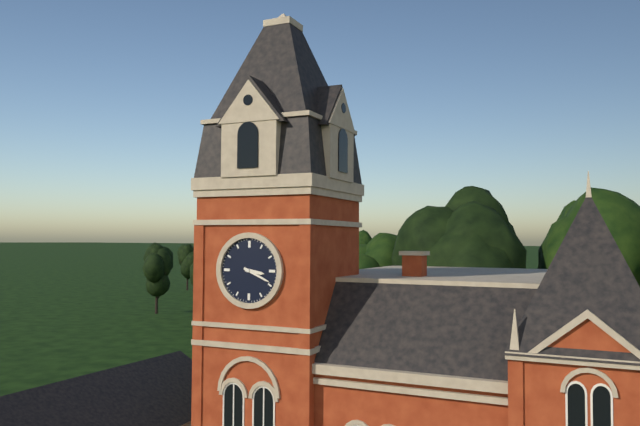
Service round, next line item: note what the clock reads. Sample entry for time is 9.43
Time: 3.19
